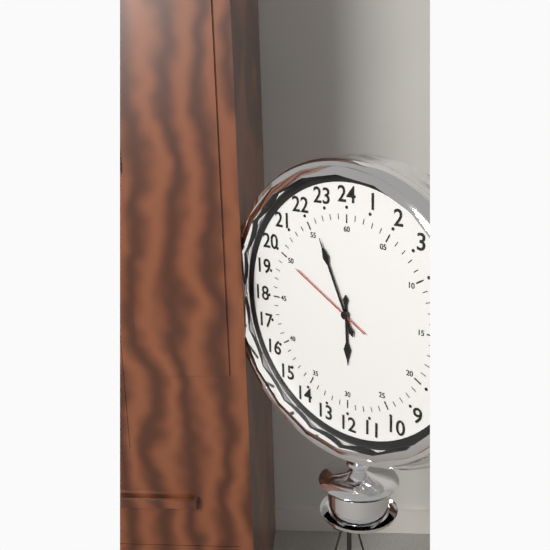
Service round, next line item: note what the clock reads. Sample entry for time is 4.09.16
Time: 5.56.50
